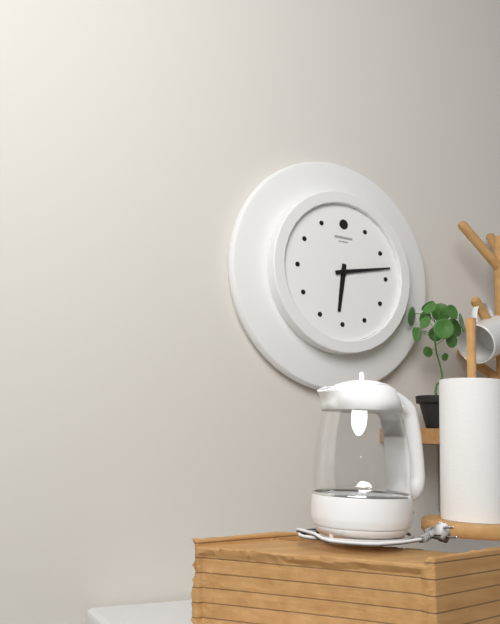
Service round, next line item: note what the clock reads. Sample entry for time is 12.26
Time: 6.13
